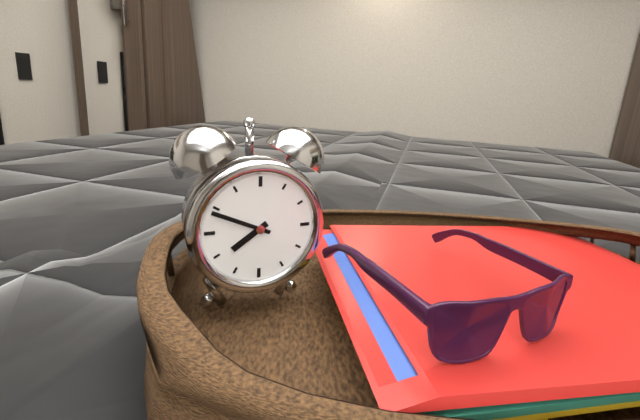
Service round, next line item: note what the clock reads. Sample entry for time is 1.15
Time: 7.49
